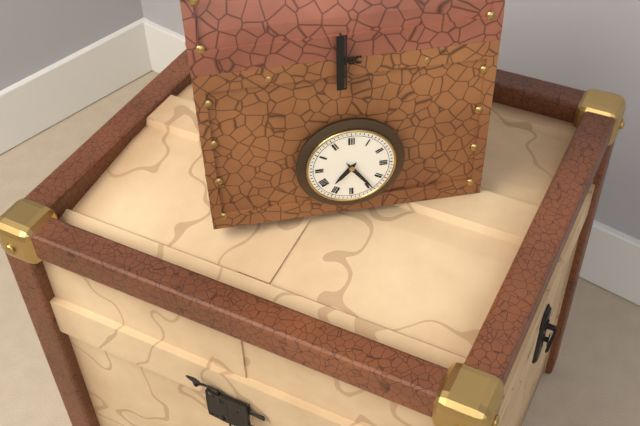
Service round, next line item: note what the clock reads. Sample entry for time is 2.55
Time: 7.24
